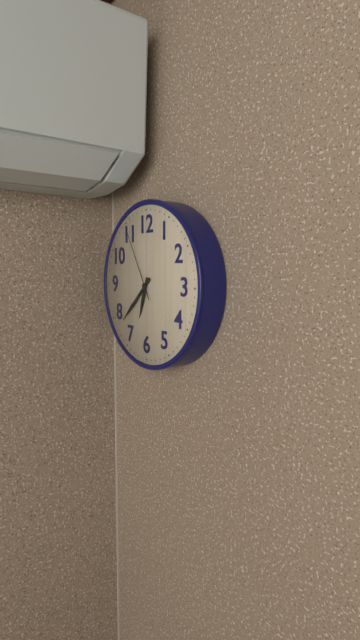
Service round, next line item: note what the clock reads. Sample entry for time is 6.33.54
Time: 6.38.55
